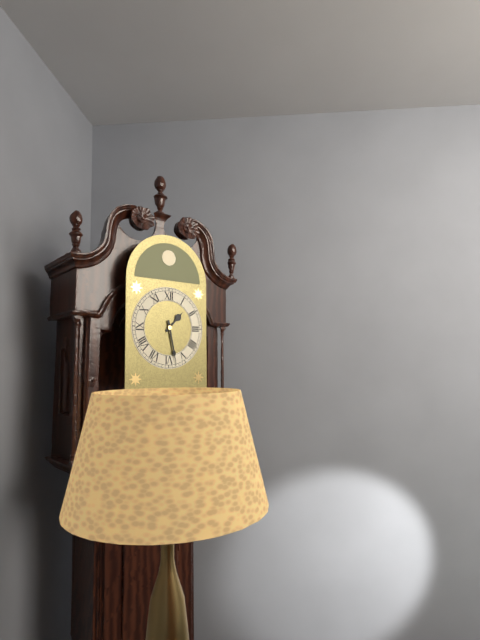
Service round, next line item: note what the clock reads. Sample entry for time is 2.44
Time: 1.28
